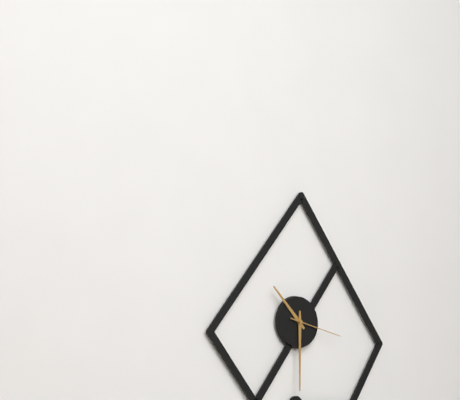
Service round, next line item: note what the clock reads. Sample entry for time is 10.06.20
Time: 10.30.17
